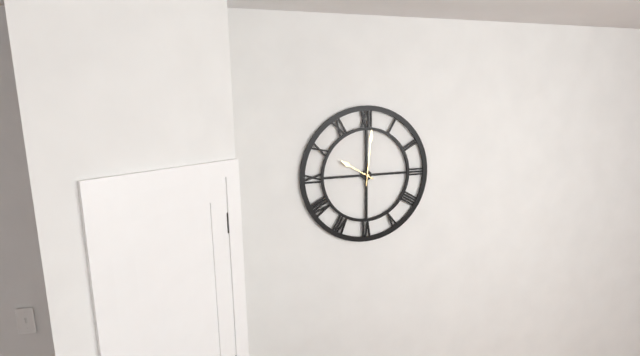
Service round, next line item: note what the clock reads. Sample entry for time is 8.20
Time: 10.01
